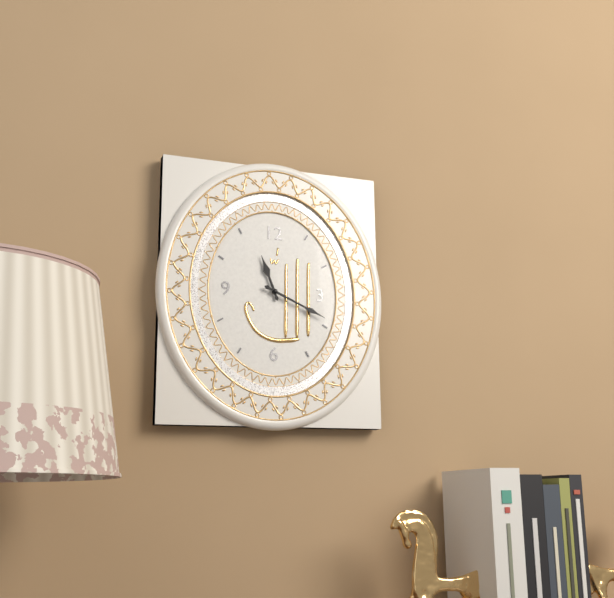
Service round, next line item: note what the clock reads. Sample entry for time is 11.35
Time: 11.19
